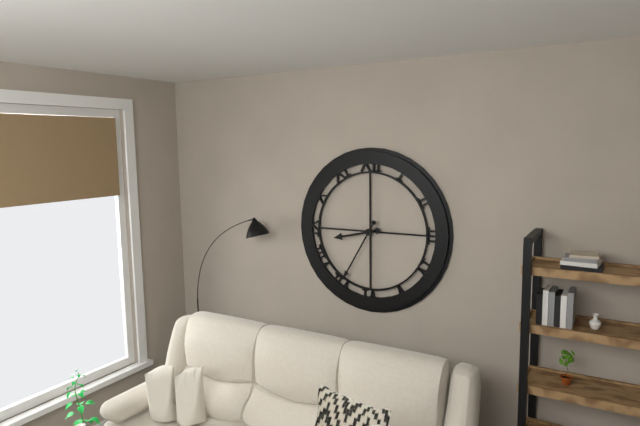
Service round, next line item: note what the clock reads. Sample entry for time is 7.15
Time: 8.35
